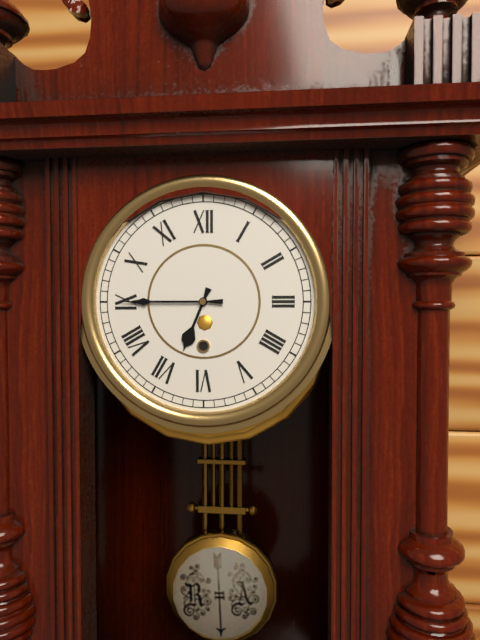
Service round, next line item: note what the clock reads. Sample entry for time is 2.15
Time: 6.45
